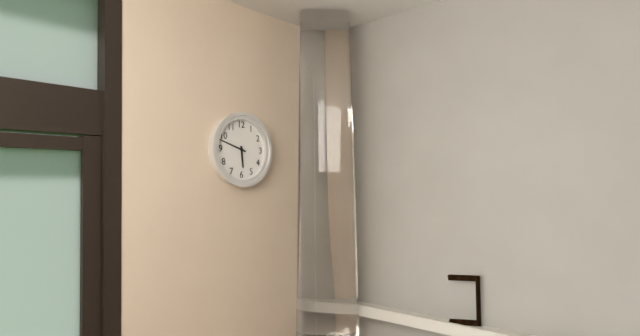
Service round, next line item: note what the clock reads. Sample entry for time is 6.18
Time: 5.48
